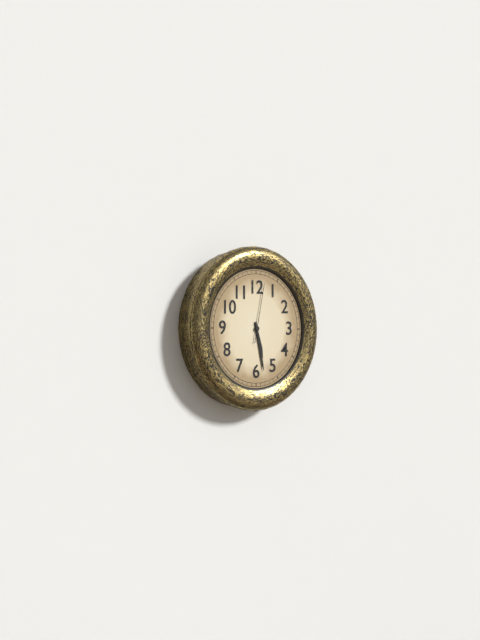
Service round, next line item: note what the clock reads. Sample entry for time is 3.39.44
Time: 5.28.02
